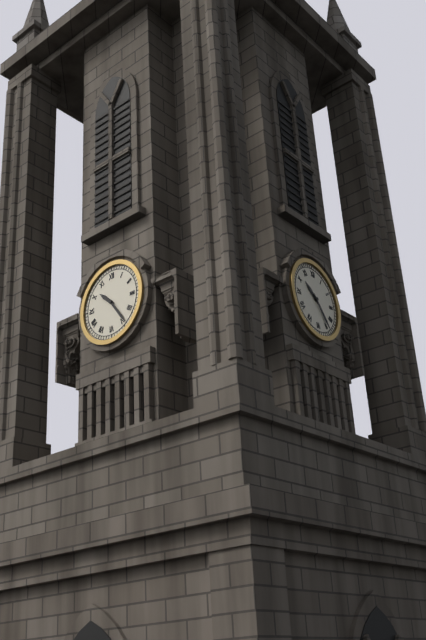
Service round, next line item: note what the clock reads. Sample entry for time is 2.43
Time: 10.24
